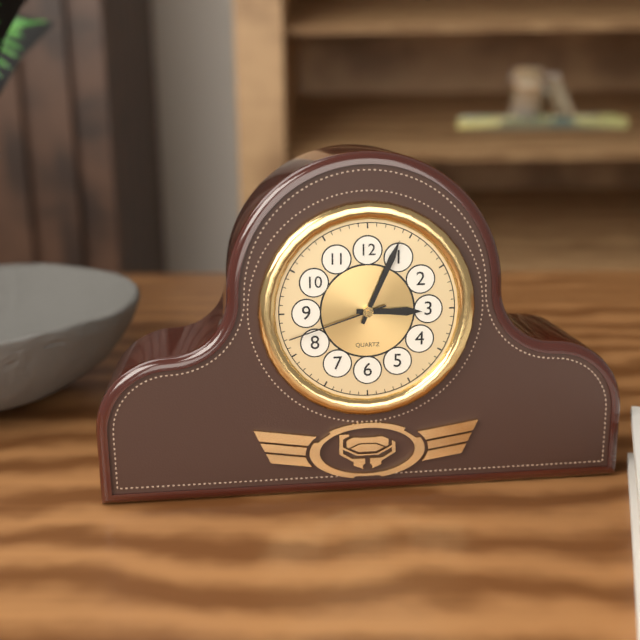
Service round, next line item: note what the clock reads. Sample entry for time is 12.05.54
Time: 3.04.42
